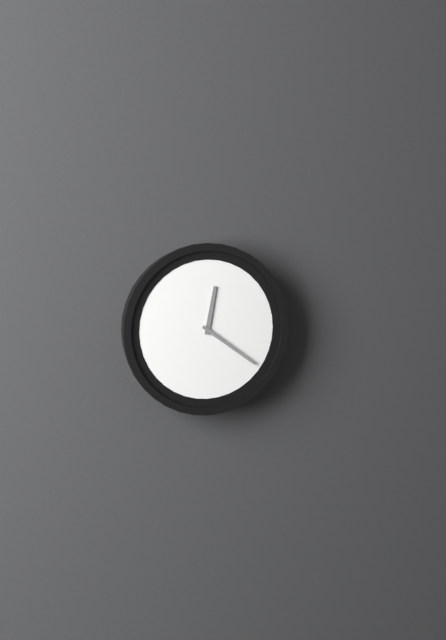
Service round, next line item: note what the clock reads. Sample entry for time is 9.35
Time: 12.21
